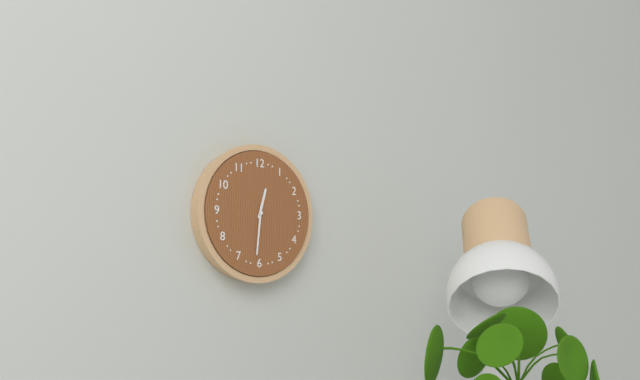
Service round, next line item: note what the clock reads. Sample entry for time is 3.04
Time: 12.31
